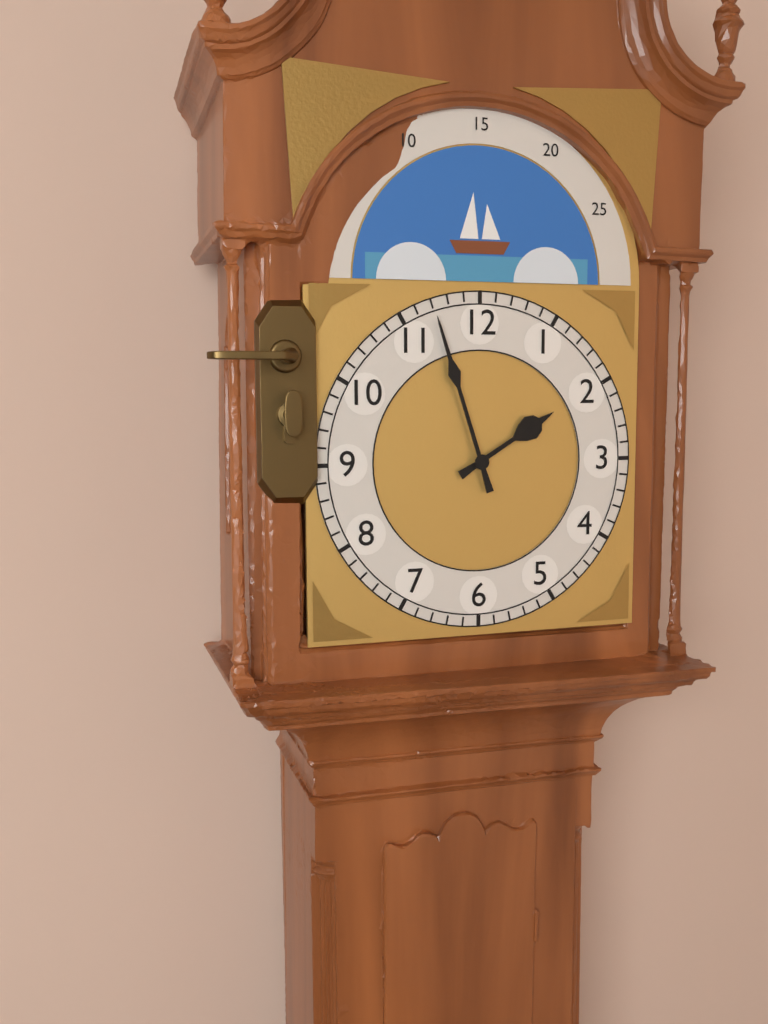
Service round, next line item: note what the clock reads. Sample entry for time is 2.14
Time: 1.57
